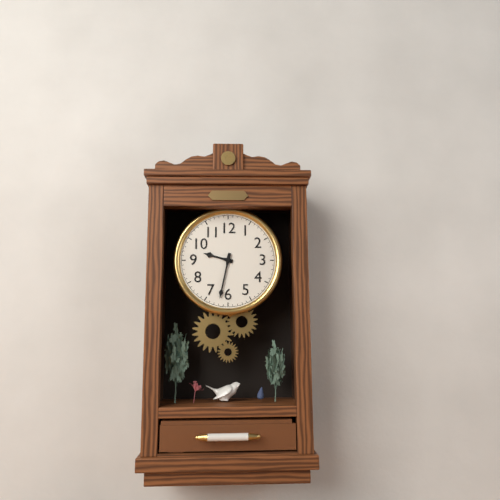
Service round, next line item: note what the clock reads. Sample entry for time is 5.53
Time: 9.32
